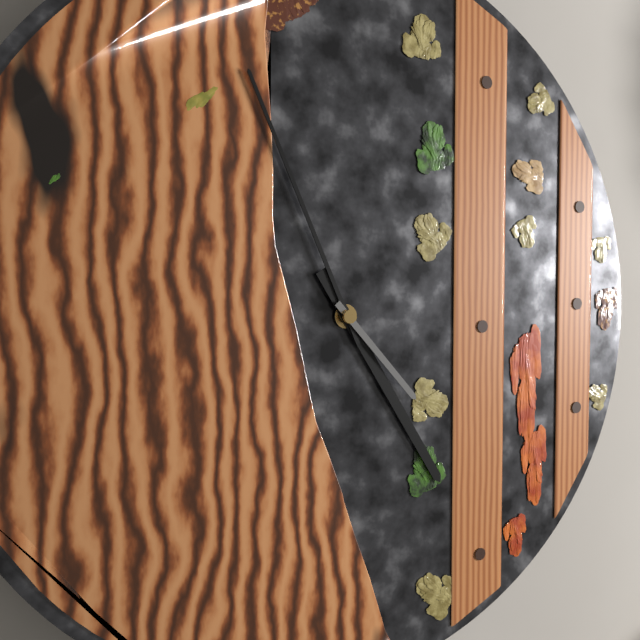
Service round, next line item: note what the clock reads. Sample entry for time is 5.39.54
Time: 4.56.23
